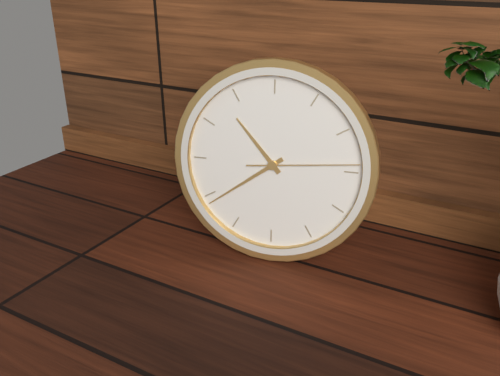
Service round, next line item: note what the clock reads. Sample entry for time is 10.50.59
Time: 10.39.14
